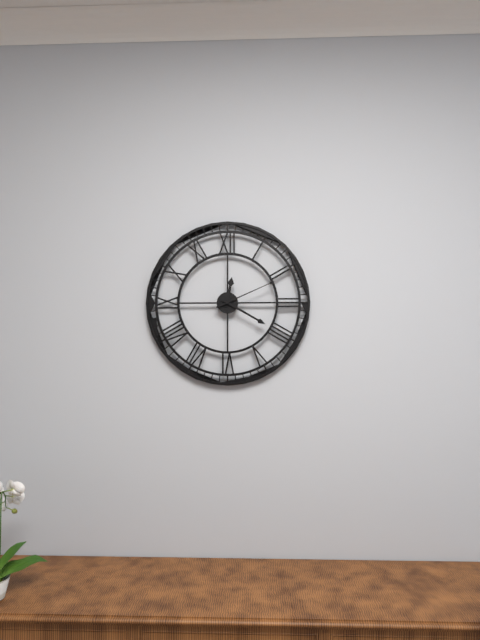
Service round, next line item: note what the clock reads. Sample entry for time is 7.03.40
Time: 12.20.11
